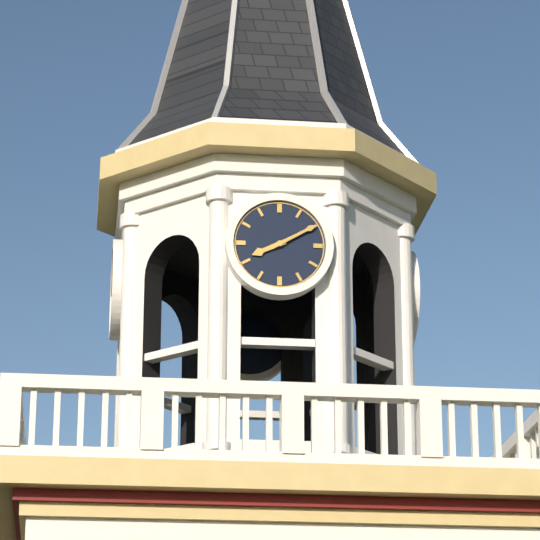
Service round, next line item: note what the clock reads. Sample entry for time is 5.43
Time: 8.10
